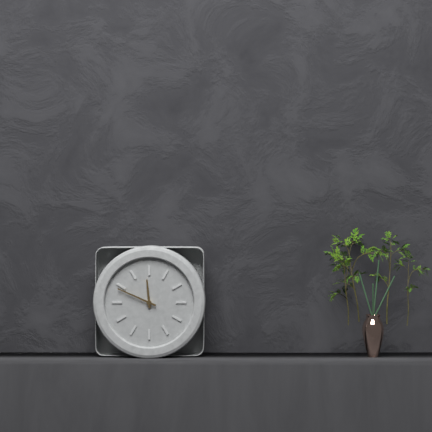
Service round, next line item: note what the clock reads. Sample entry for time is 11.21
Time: 11.49
